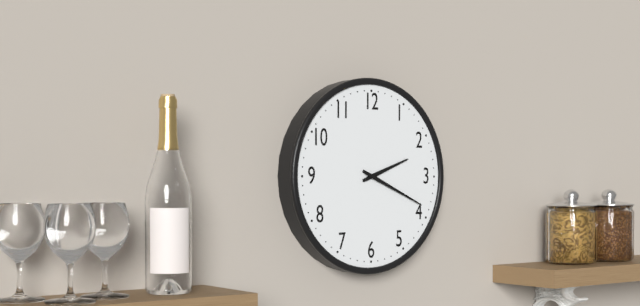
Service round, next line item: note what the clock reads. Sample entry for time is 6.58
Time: 2.19
